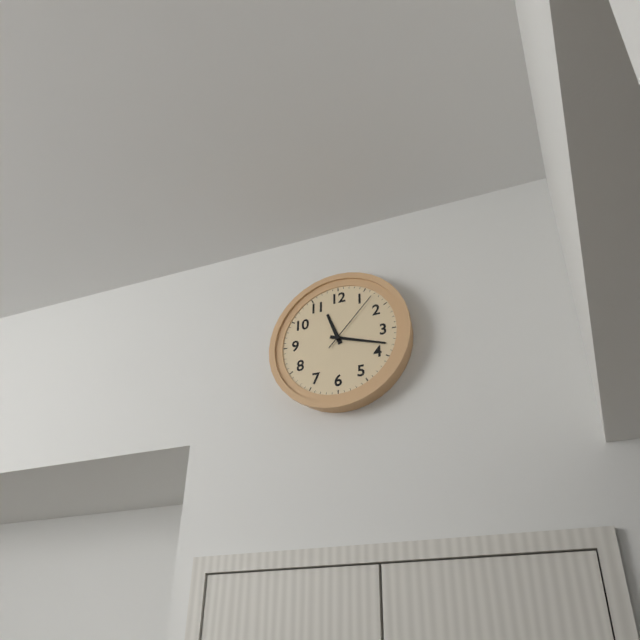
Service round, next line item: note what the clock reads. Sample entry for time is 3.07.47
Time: 11.18.07
